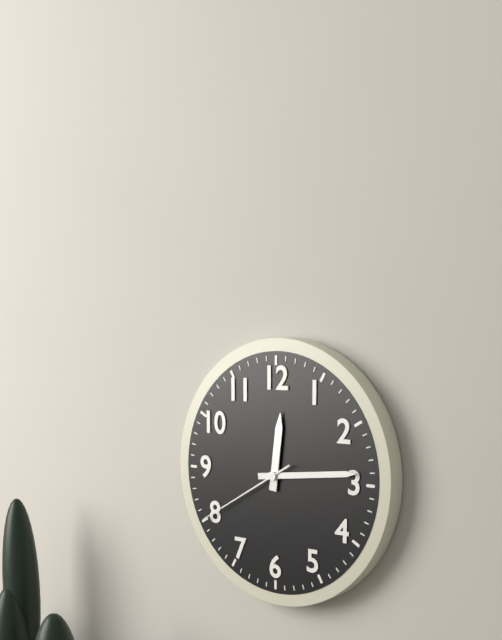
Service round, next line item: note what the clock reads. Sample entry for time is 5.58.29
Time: 12.14.40
